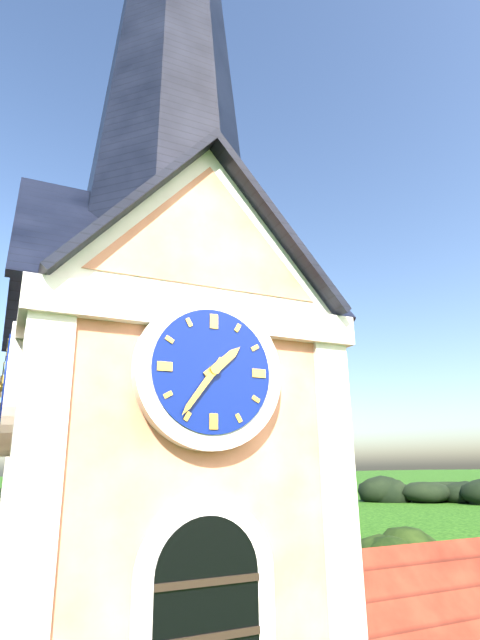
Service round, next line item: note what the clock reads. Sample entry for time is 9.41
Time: 1.36
